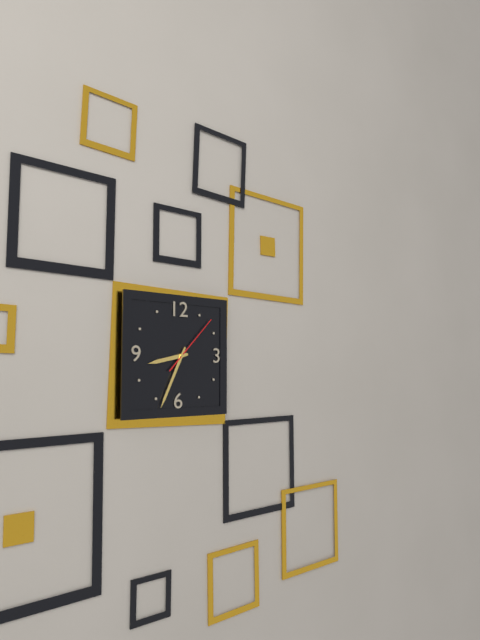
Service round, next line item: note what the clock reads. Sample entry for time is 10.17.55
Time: 8.34.07
